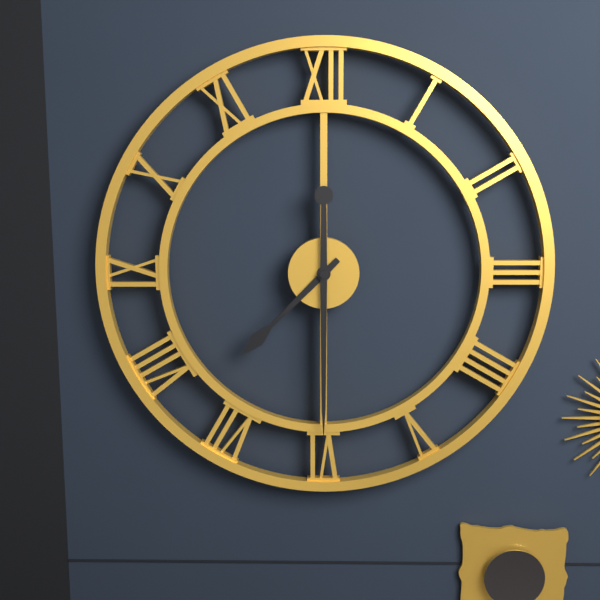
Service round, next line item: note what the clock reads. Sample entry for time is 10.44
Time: 7.30
